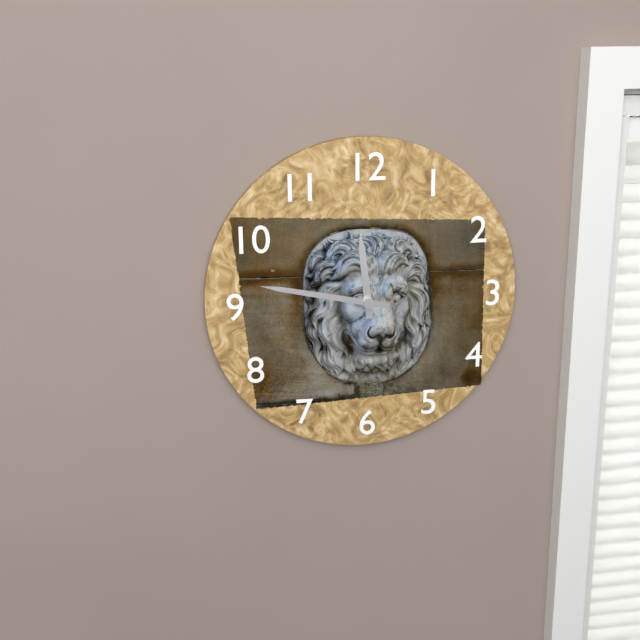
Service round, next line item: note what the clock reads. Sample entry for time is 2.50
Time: 11.47
